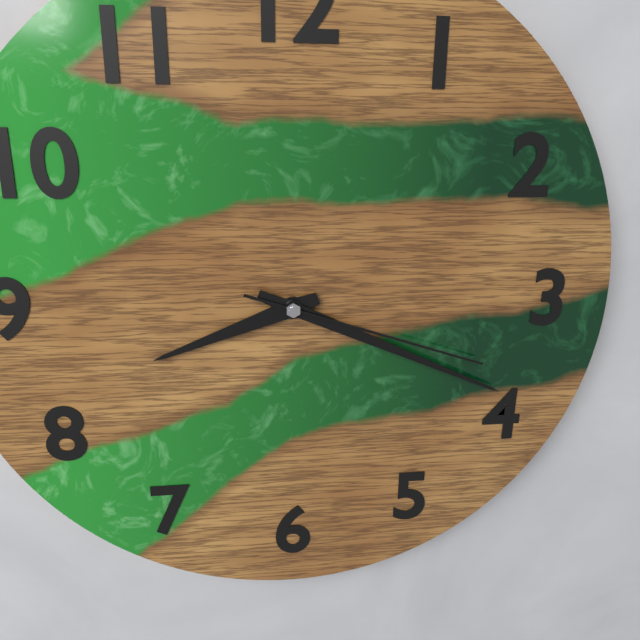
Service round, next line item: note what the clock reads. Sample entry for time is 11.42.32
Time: 8.19.18
